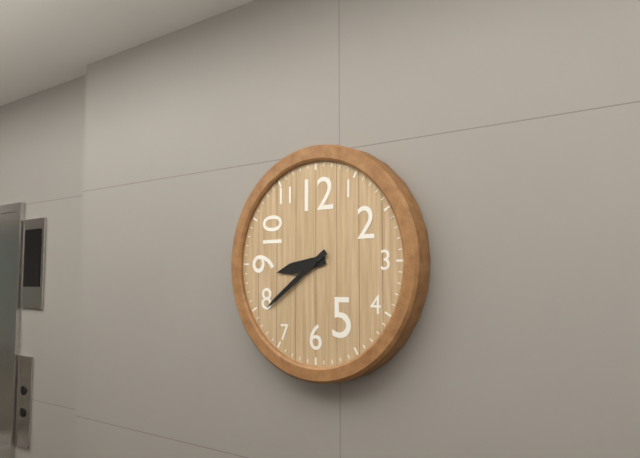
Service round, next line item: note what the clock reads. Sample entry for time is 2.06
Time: 8.39
